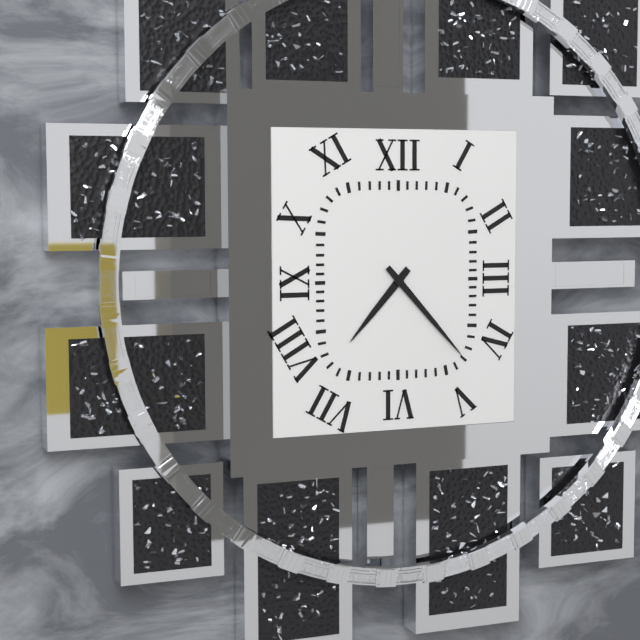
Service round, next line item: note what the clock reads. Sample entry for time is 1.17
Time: 7.23
